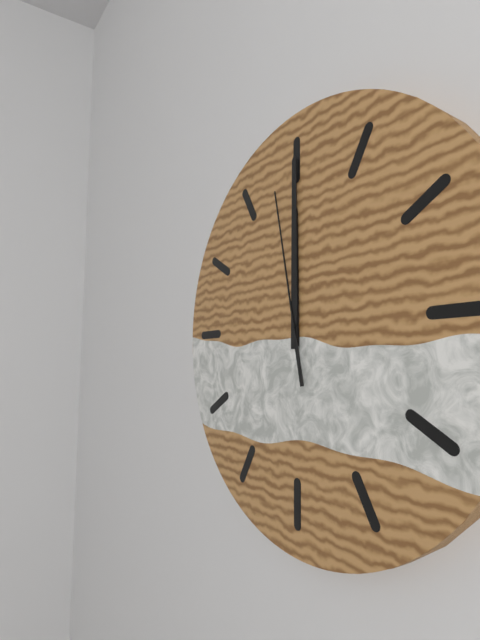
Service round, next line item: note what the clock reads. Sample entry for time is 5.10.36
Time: 12.00.58
